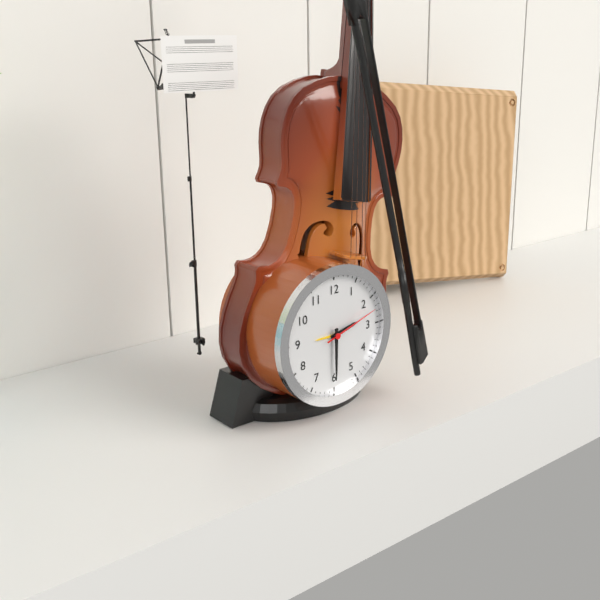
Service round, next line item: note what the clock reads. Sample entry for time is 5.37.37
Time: 2.30.12
